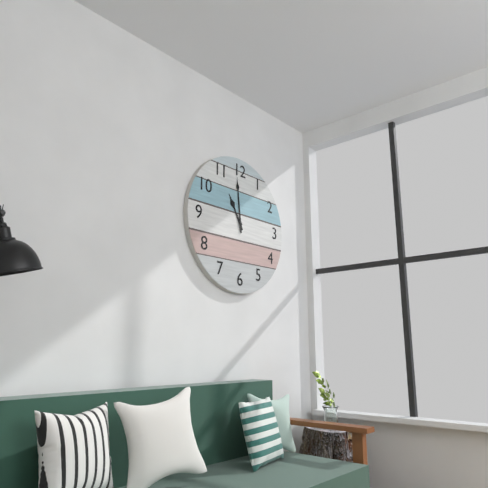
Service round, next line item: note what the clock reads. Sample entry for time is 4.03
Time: 10.59
